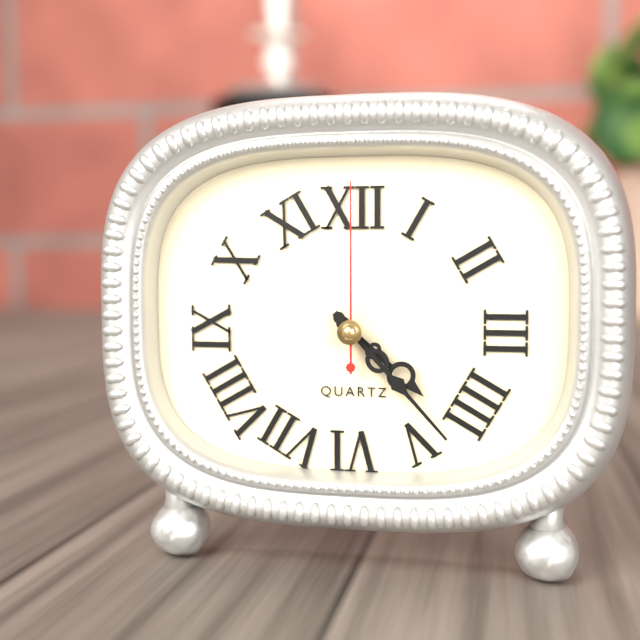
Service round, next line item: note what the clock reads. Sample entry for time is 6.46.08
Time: 4.23.00
